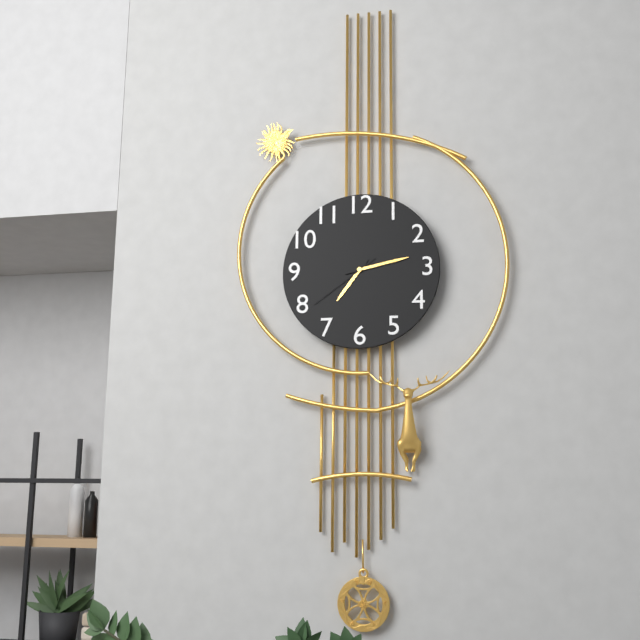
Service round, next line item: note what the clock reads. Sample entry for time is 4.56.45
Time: 7.13.39
